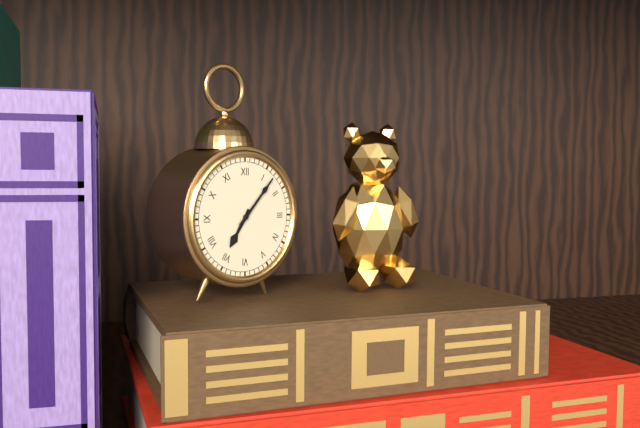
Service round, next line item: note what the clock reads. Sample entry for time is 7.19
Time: 7.07
